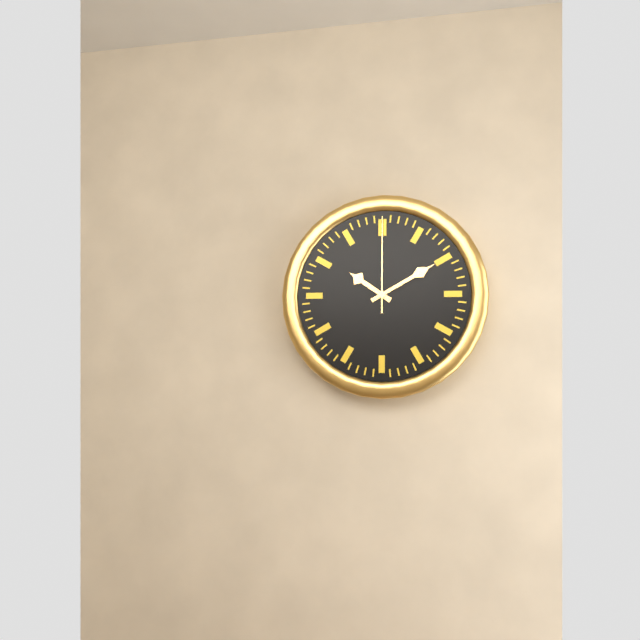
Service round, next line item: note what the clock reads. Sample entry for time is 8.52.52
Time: 10.10.00
